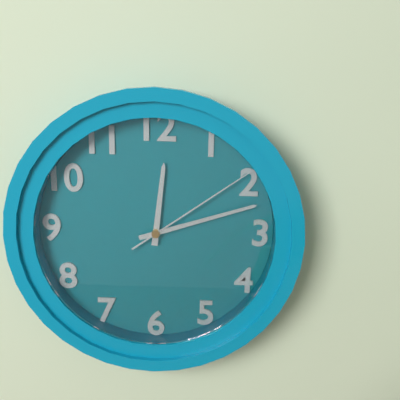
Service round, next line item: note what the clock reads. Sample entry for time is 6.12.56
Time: 12.12.09
